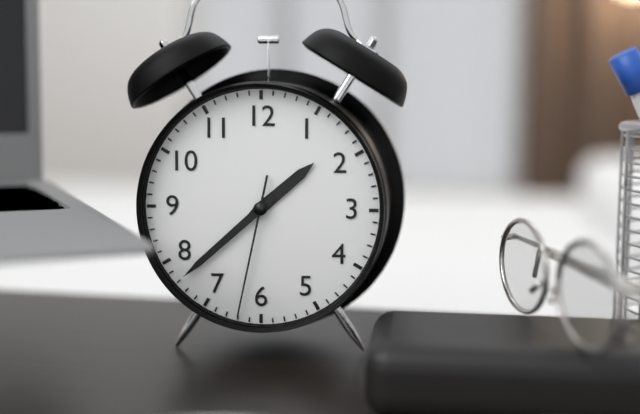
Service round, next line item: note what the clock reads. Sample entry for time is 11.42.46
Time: 1.38.32
